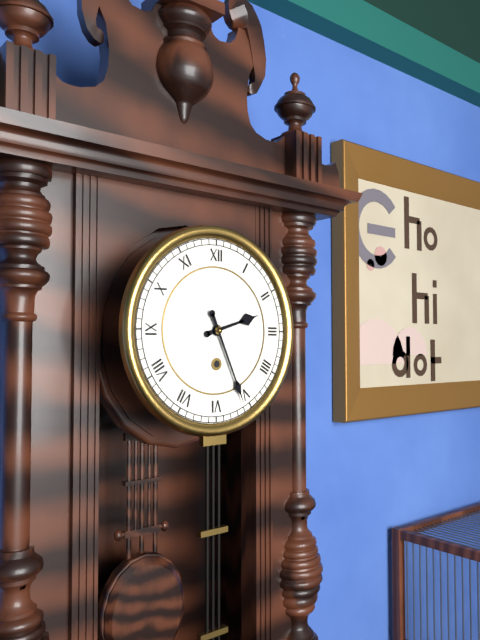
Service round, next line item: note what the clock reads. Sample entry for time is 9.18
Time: 2.26
